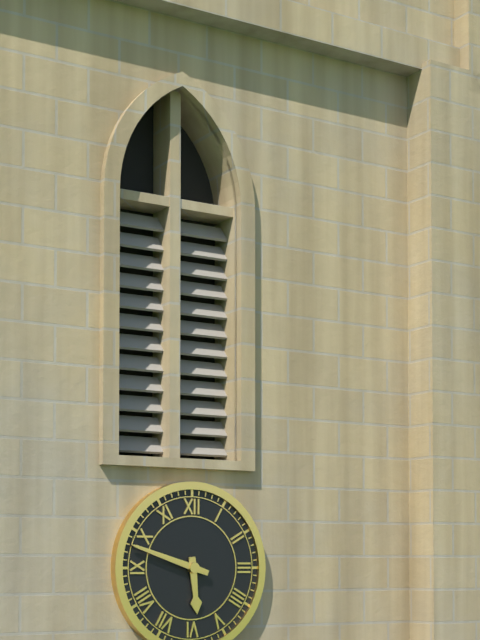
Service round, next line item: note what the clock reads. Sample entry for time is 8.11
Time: 5.48
